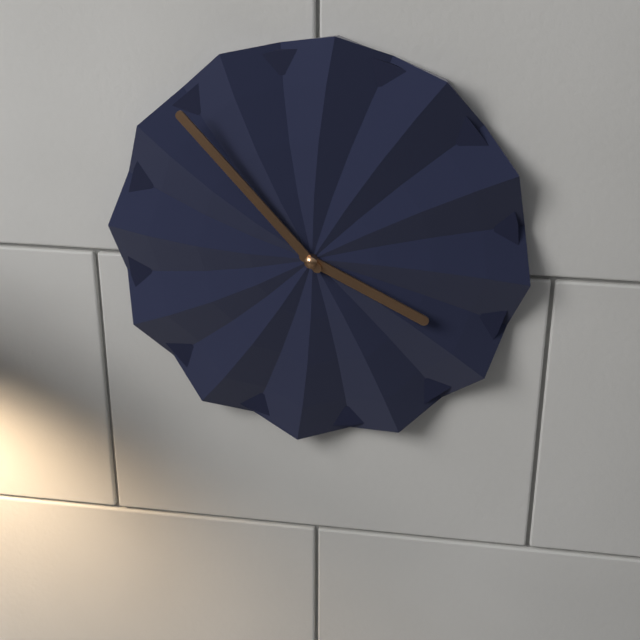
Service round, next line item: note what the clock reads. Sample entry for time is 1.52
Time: 3.53
